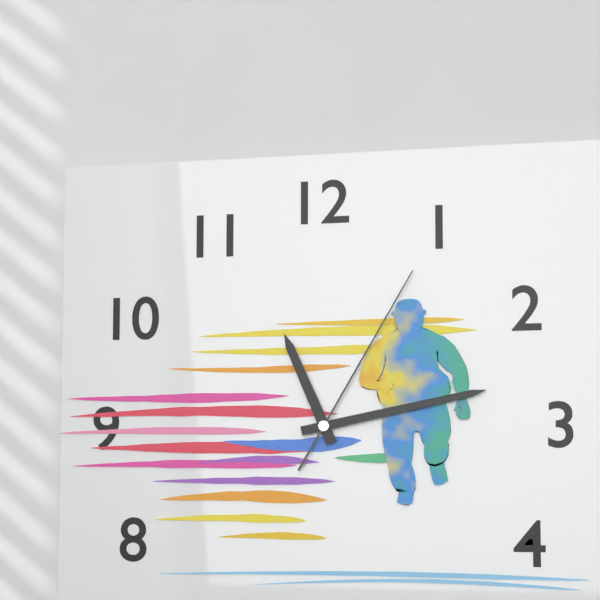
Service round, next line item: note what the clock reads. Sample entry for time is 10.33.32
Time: 11.13.05
